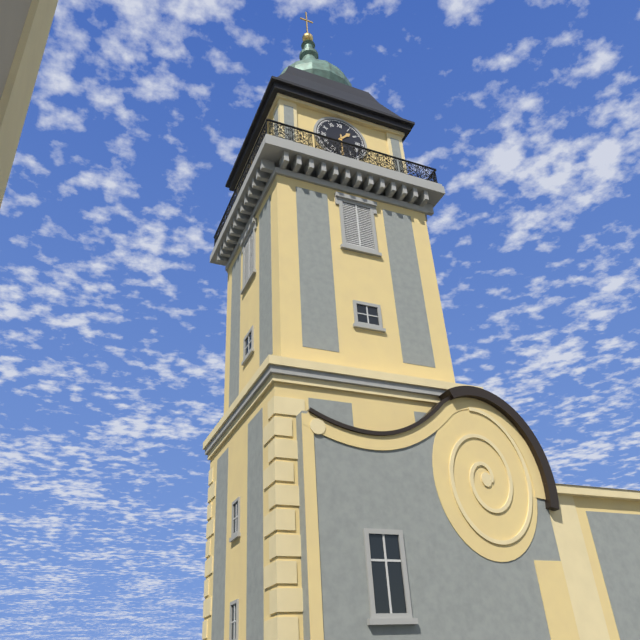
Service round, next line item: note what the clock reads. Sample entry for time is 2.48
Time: 1.30
